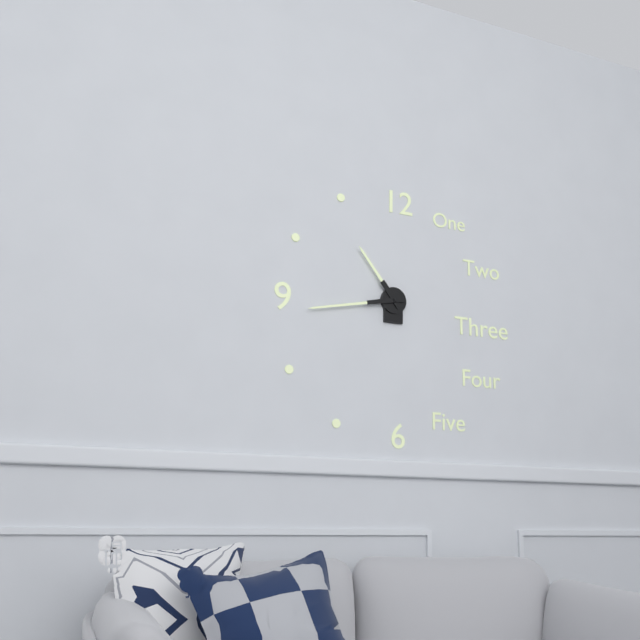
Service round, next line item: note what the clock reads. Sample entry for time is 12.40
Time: 10.43
